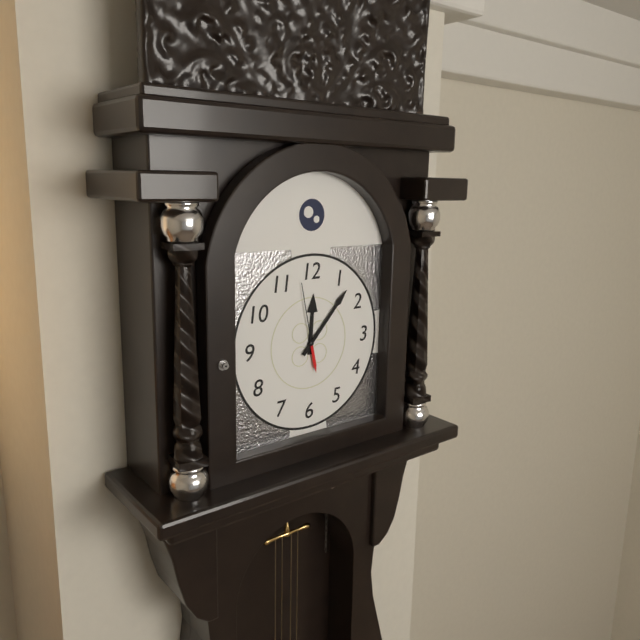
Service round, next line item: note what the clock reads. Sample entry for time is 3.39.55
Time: 12.07.58
